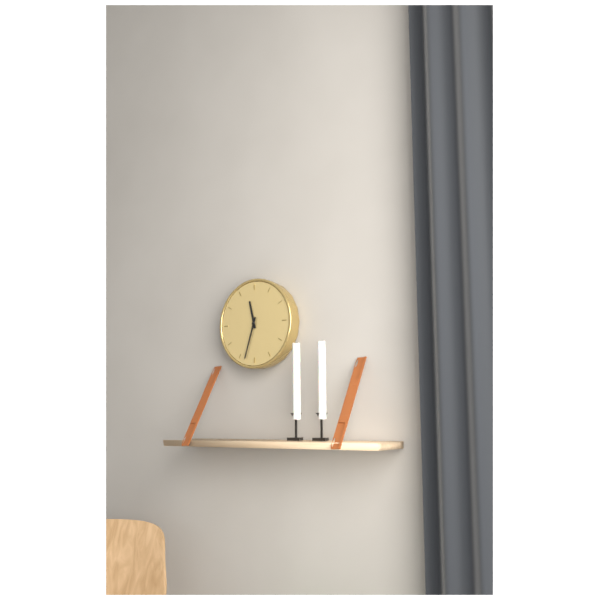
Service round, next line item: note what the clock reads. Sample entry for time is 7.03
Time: 11.33
